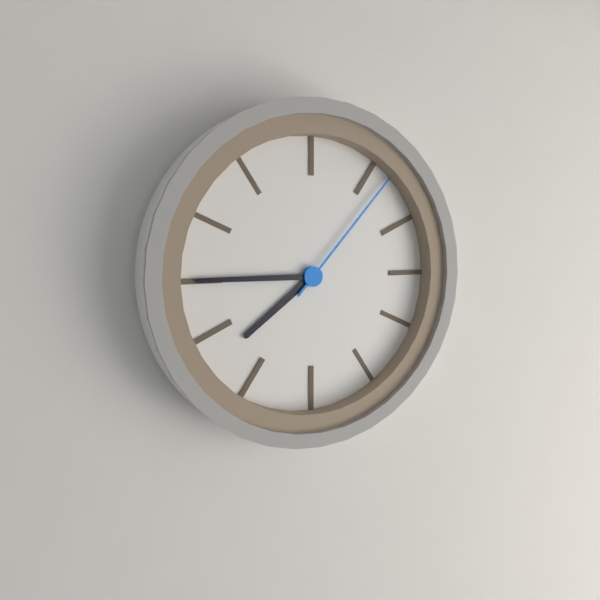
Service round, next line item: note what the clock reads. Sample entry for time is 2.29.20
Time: 7.45.07
